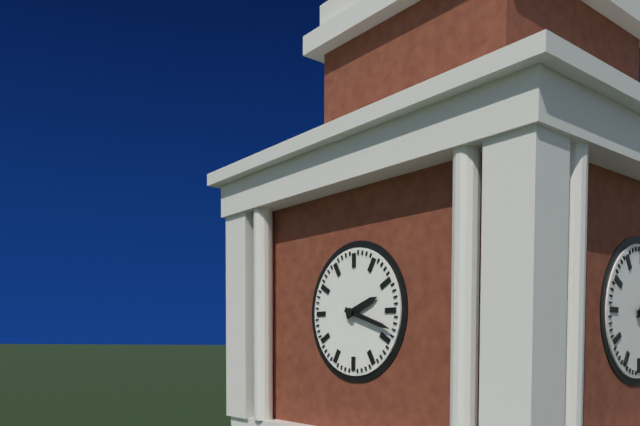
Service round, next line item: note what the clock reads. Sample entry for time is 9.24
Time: 2.18
